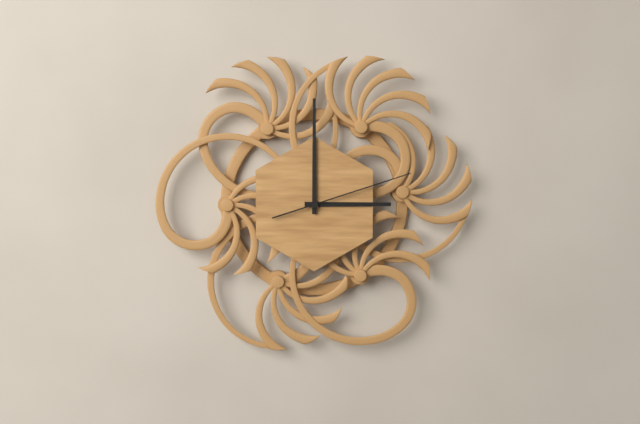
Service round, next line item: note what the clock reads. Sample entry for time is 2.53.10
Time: 3.00.12
